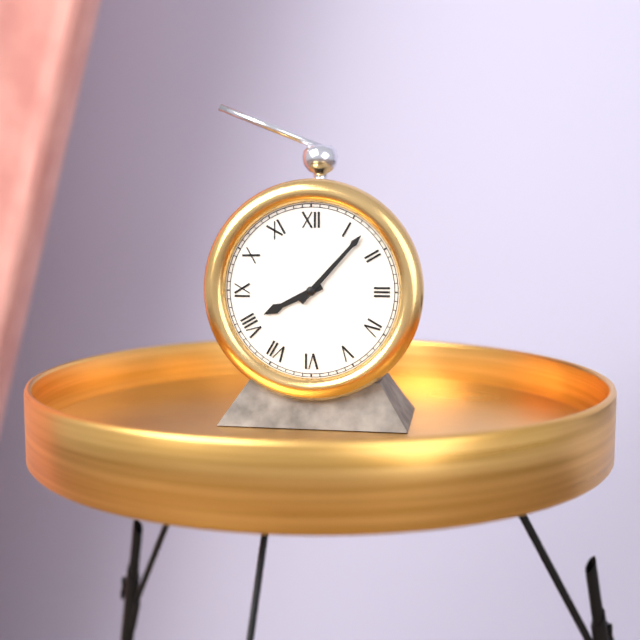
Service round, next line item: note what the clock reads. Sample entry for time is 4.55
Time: 8.07
